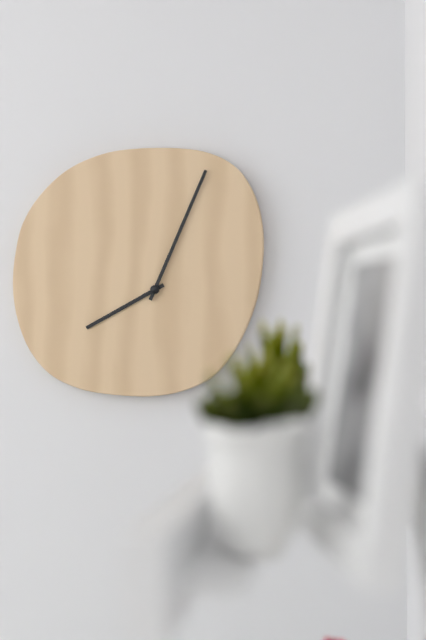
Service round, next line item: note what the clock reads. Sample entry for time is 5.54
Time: 8.04
